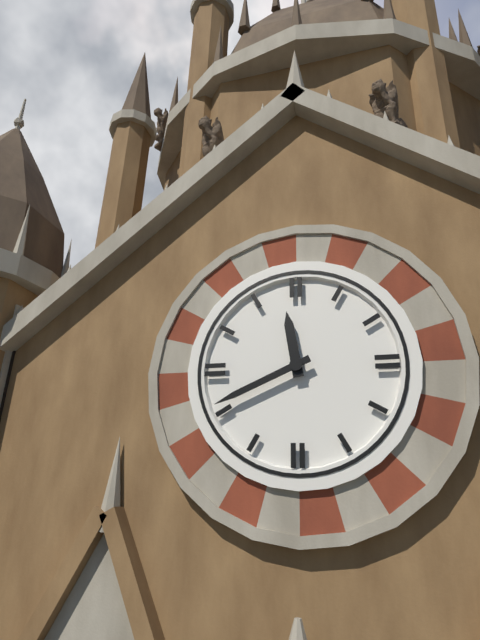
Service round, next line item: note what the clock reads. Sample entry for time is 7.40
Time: 11.41
